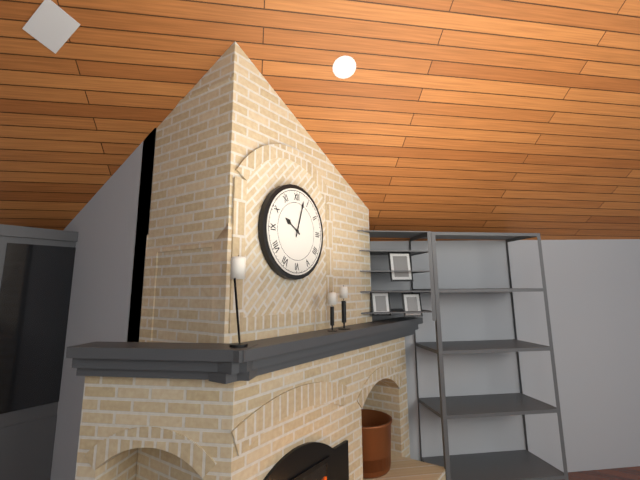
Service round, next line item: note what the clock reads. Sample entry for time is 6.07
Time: 10.03
